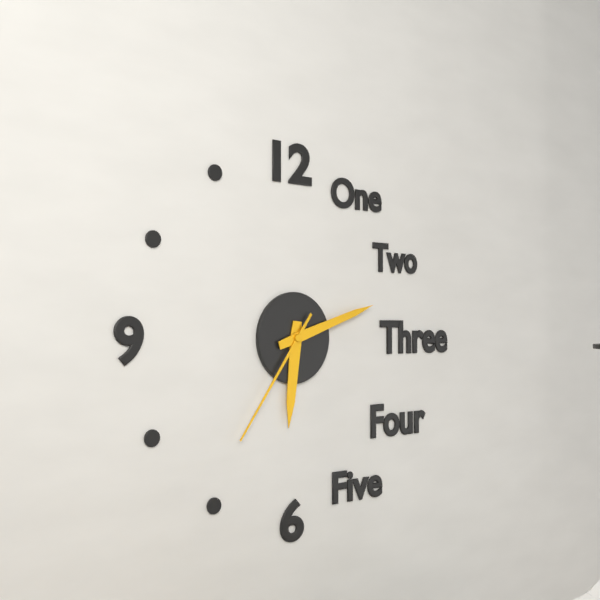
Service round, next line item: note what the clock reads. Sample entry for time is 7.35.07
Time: 6.12.36
